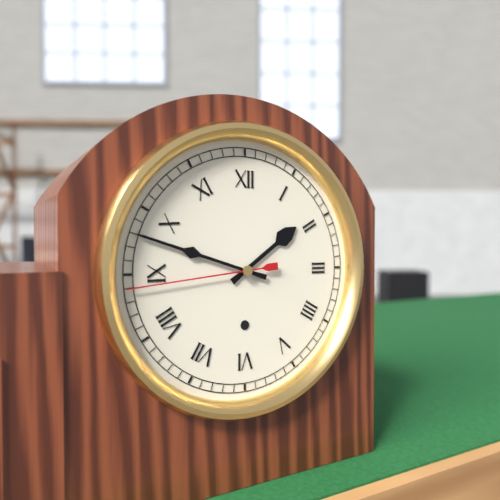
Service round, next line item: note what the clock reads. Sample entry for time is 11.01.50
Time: 1.48.44
